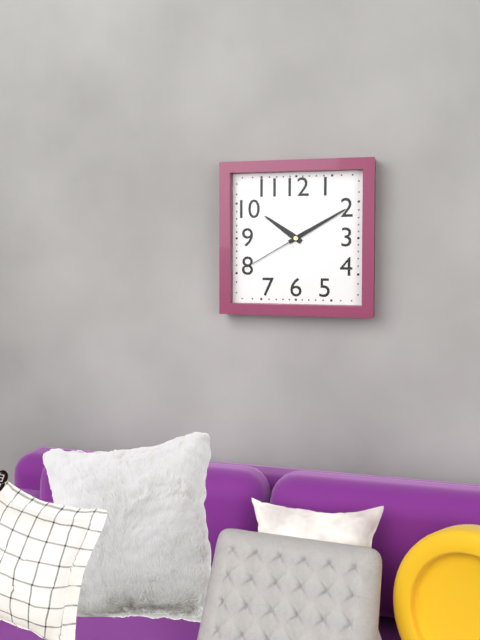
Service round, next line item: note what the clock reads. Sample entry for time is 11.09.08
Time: 10.10.40
